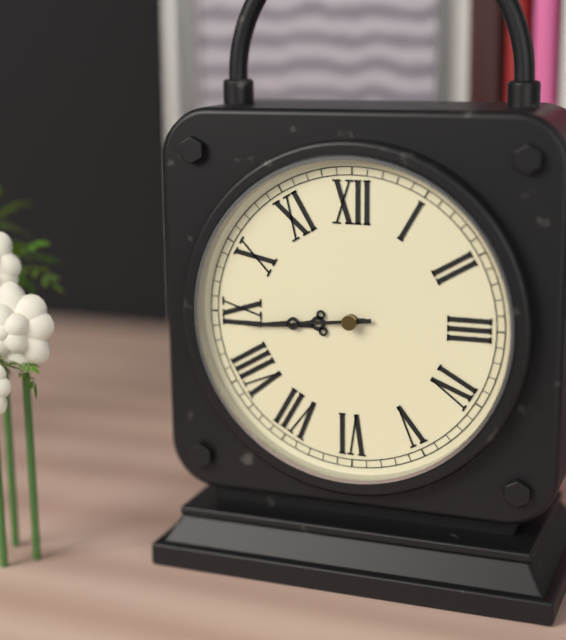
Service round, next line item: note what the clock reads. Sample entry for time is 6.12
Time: 8.44
